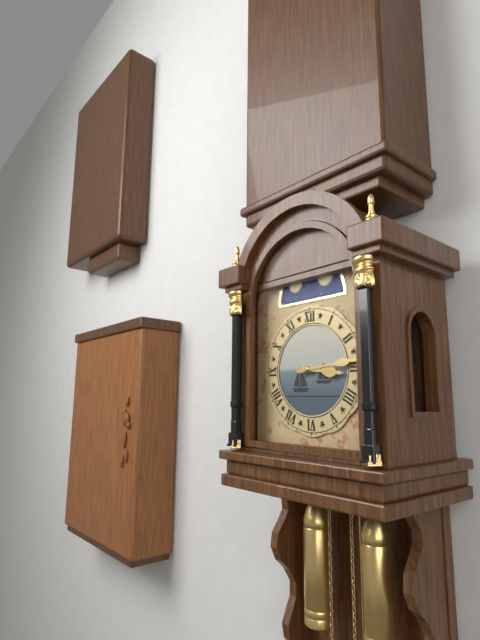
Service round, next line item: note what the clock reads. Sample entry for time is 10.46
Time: 3.14
